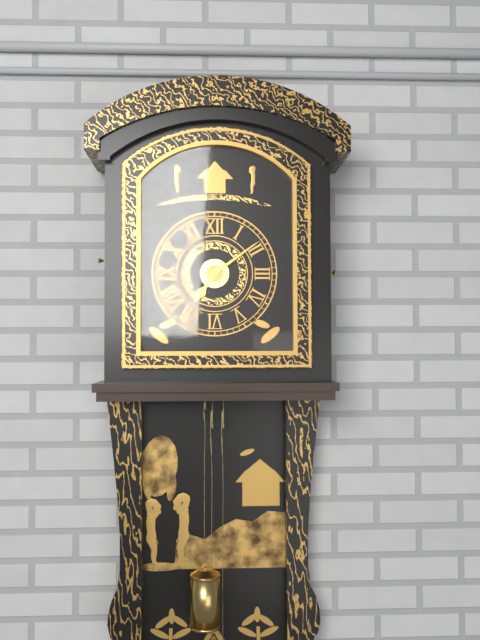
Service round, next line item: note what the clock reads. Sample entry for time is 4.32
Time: 7.09
